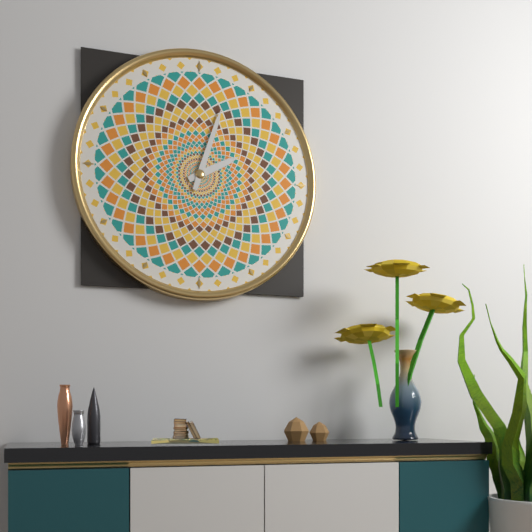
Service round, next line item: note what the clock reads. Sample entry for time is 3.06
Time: 2.03
